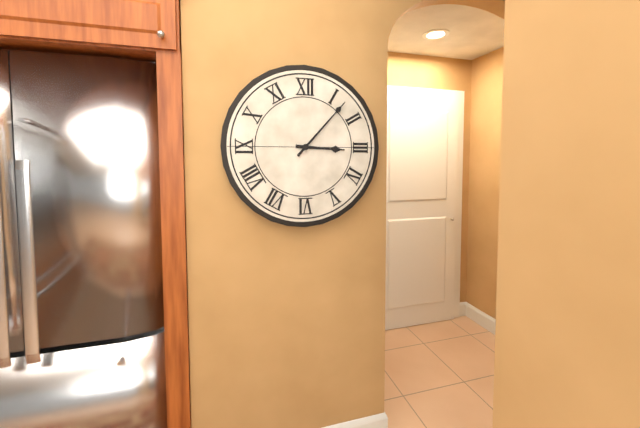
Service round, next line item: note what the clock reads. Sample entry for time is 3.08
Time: 3.07
